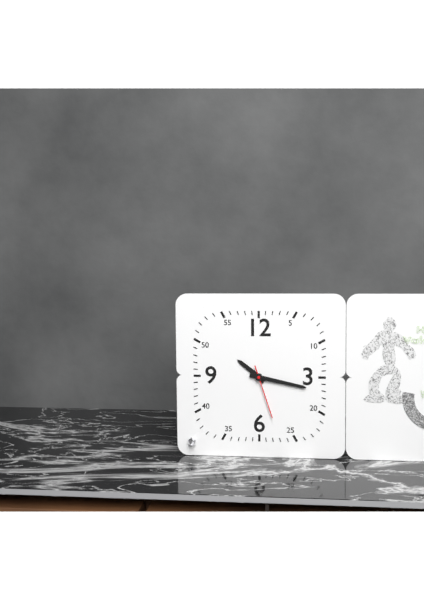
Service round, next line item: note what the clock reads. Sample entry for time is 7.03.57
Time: 10.17.27
